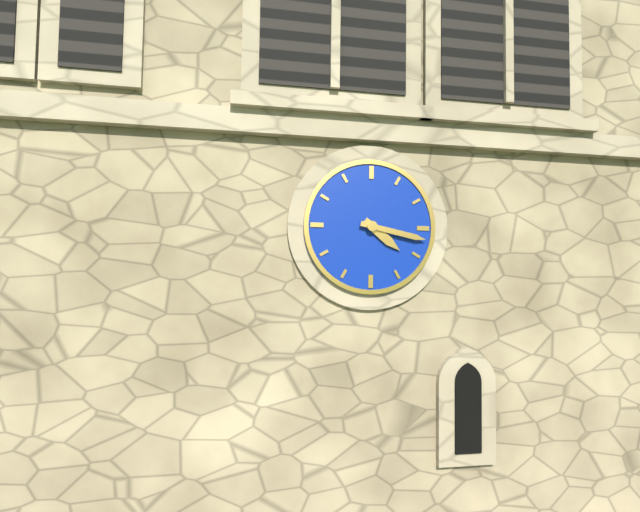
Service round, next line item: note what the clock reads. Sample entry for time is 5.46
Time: 4.17
